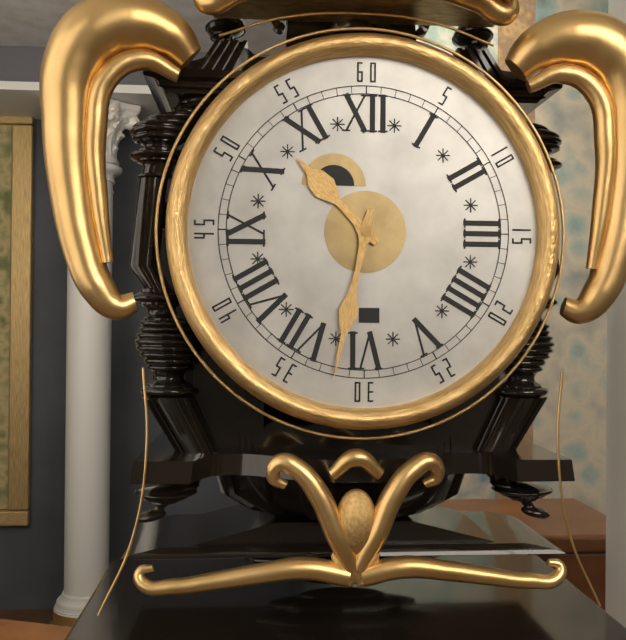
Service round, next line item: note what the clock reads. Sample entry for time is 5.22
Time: 10.32
